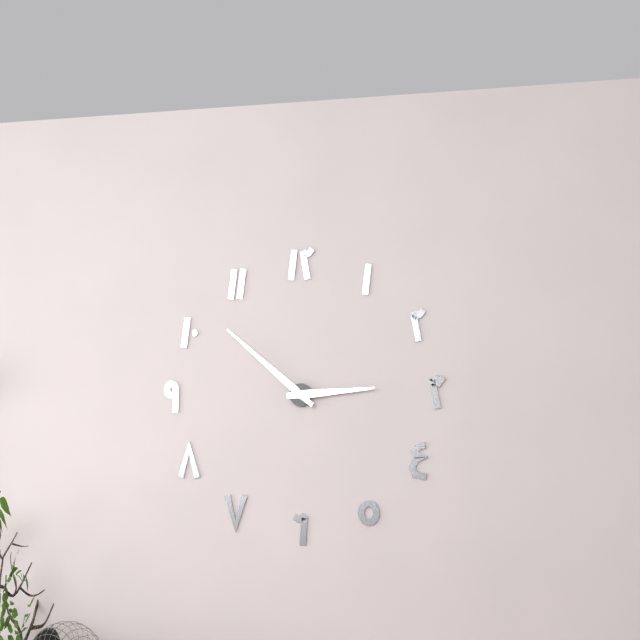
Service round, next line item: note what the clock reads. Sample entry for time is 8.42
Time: 2.52
